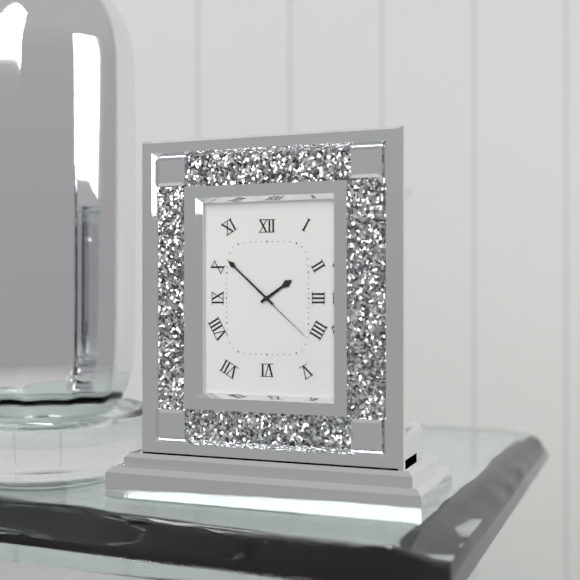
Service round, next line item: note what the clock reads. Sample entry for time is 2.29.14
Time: 1.52.22
